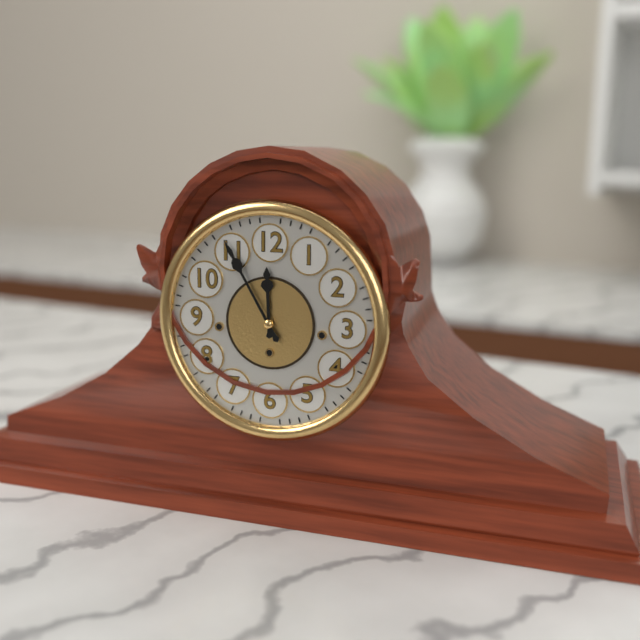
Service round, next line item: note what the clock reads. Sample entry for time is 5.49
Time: 11.55
